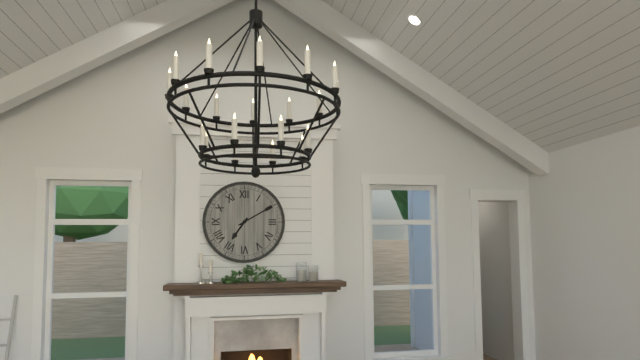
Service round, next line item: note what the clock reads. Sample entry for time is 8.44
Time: 7.10
